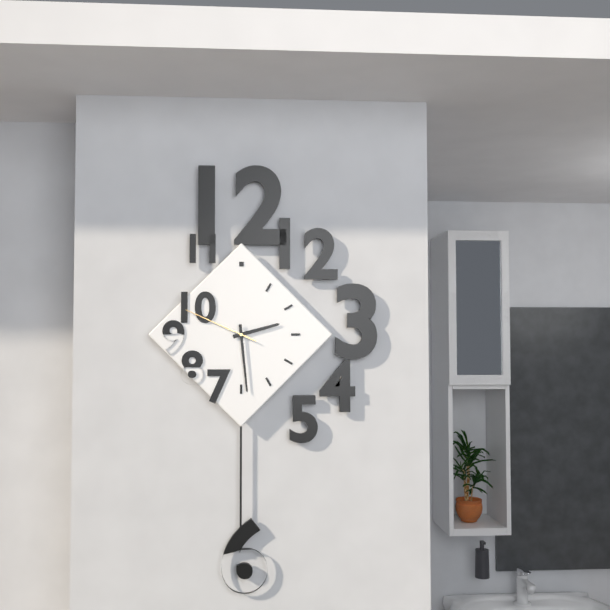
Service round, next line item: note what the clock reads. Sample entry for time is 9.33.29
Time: 2.29.49
